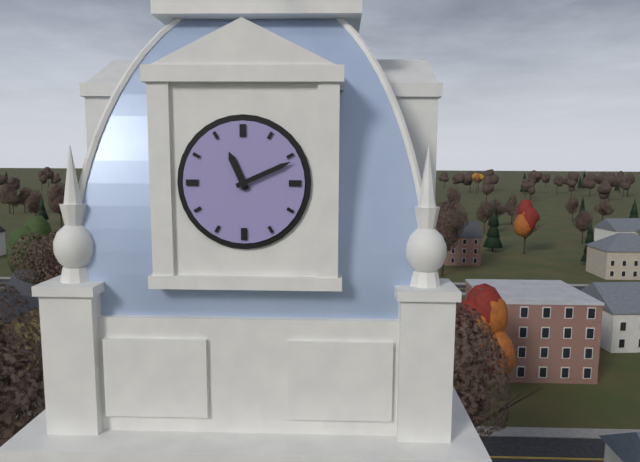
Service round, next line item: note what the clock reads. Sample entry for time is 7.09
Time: 11.11
